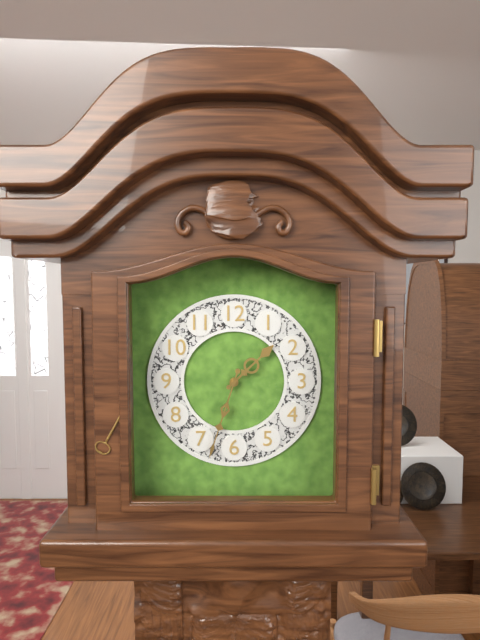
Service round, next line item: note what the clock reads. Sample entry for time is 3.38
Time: 1.33
